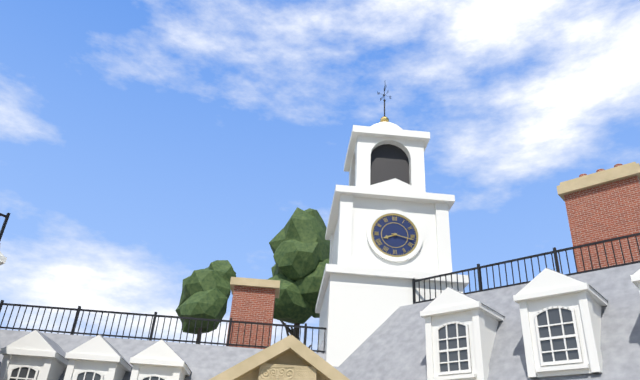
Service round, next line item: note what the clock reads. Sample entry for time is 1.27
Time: 8.17
